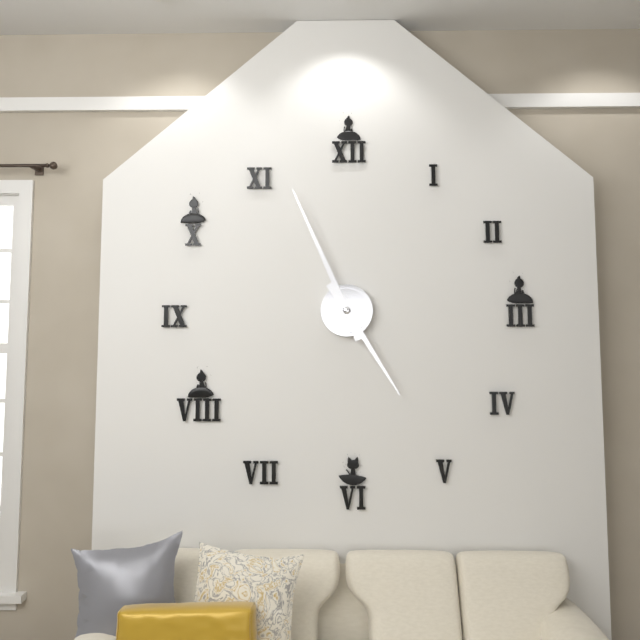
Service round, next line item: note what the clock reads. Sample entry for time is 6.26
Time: 4.56
